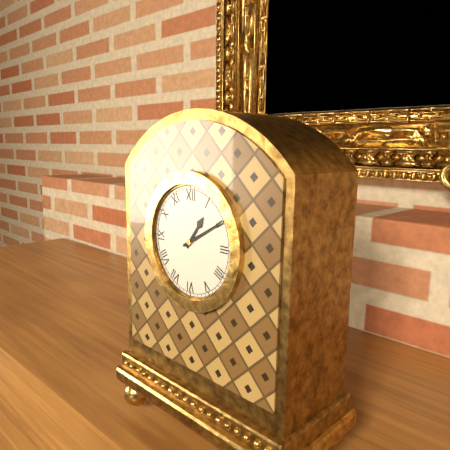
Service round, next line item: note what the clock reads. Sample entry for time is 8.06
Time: 1.10
